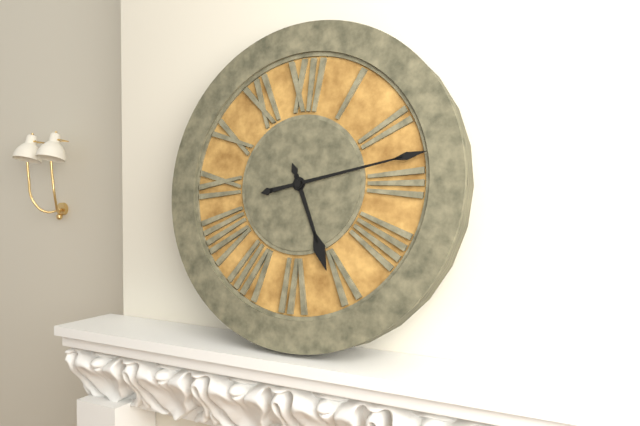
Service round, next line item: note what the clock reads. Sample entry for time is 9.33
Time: 5.13
